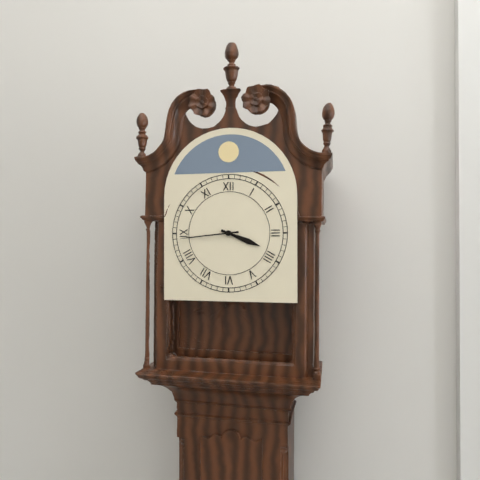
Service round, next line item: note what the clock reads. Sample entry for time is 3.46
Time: 3.44
